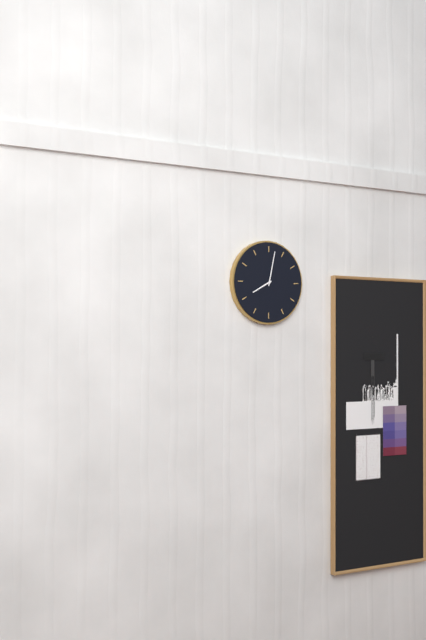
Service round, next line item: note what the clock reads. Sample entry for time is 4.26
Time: 8.02
